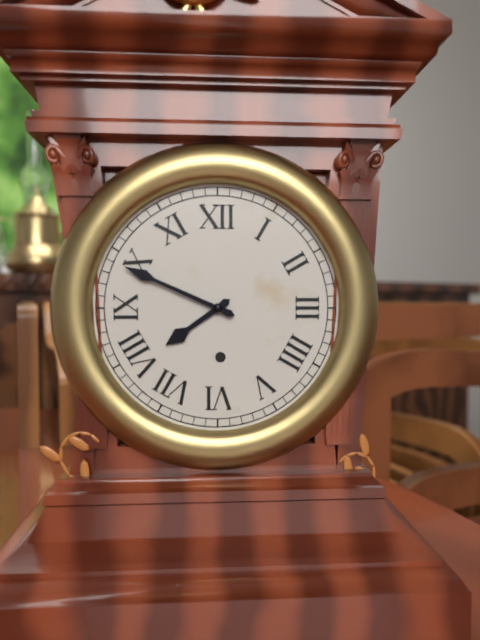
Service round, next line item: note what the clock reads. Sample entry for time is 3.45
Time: 7.49
